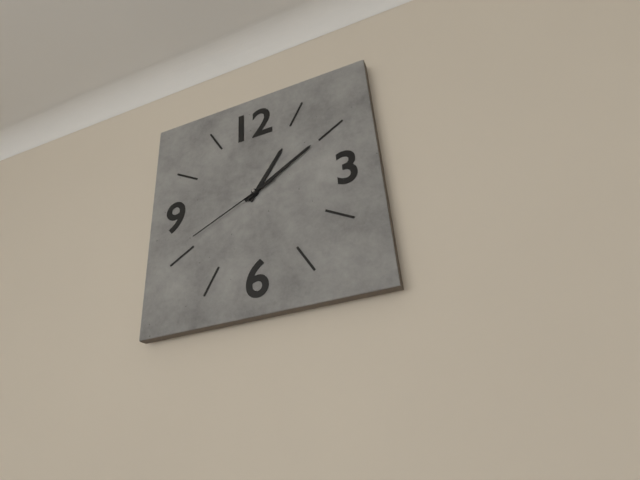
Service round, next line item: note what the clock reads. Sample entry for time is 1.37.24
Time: 1.10.41
